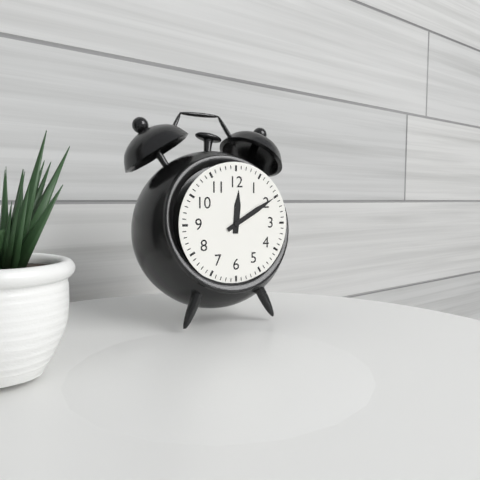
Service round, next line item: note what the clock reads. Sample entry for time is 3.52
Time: 12.10
